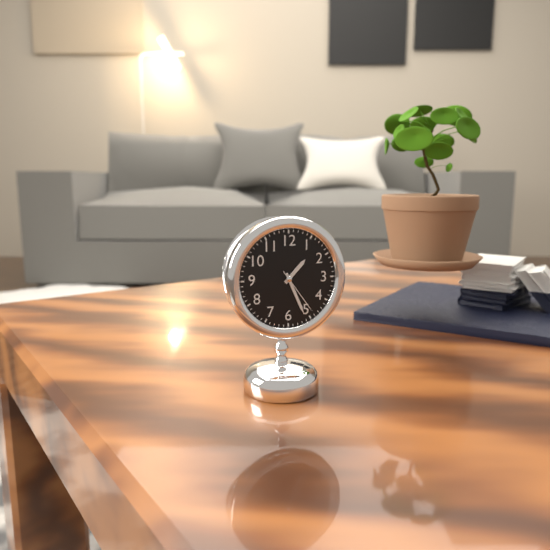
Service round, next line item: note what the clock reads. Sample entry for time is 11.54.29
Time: 1.26.24
